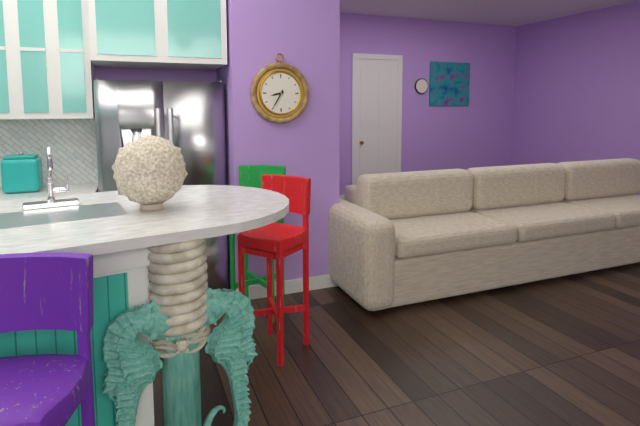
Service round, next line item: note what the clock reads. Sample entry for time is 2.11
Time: 8.35
